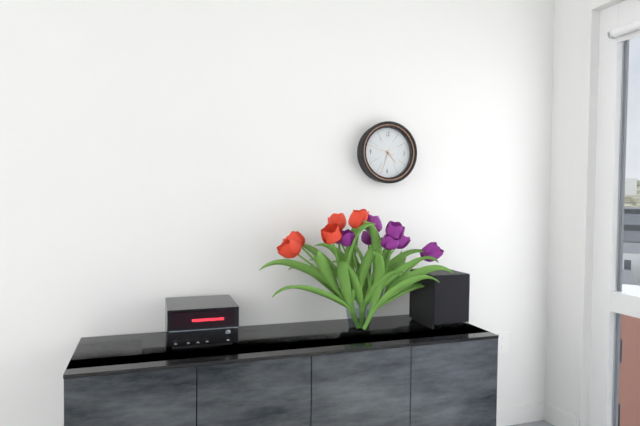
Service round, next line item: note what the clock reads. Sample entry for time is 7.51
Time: 4.33
